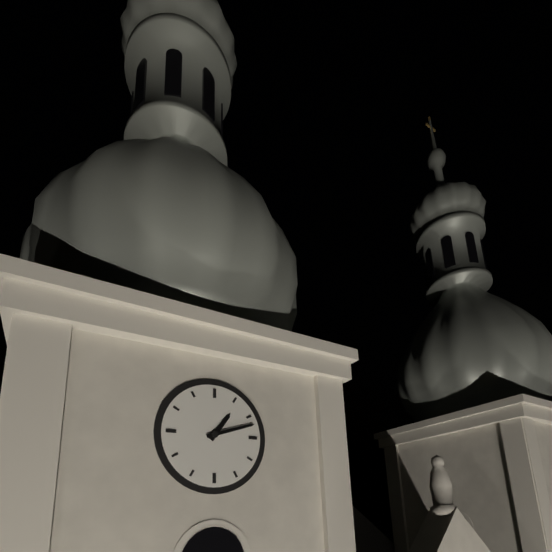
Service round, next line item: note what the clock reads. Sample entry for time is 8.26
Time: 1.12
